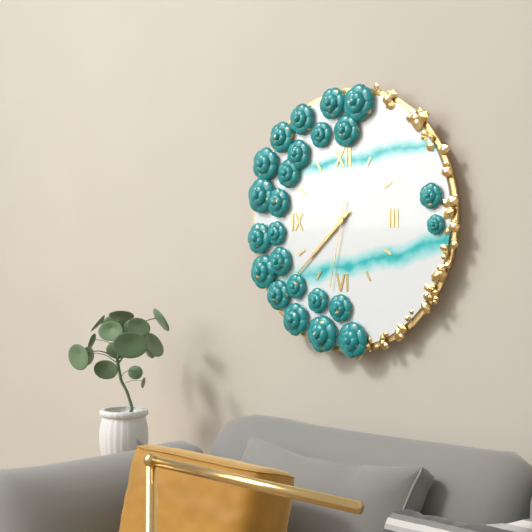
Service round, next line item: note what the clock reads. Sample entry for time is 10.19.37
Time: 7.38.32
